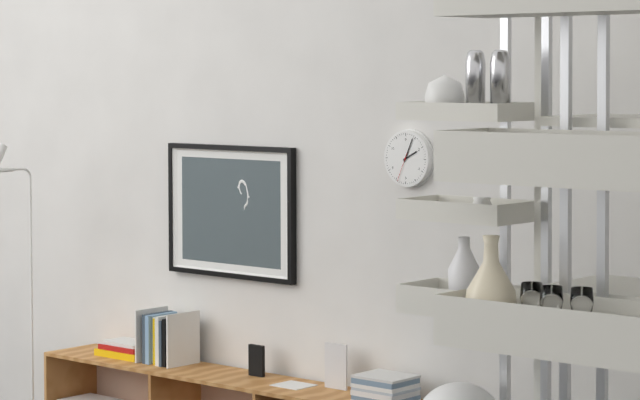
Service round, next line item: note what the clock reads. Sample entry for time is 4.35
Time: 2.04
